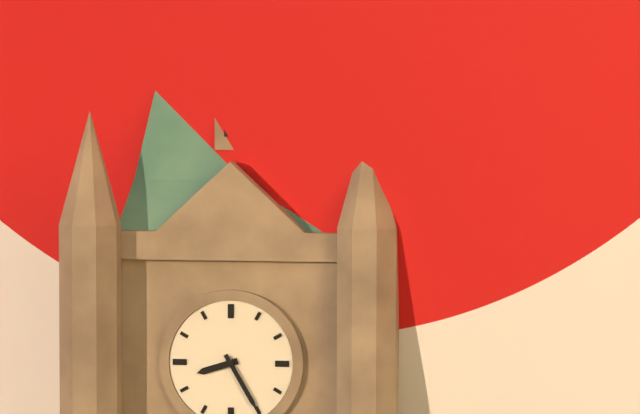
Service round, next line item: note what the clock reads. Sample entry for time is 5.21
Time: 8.25
